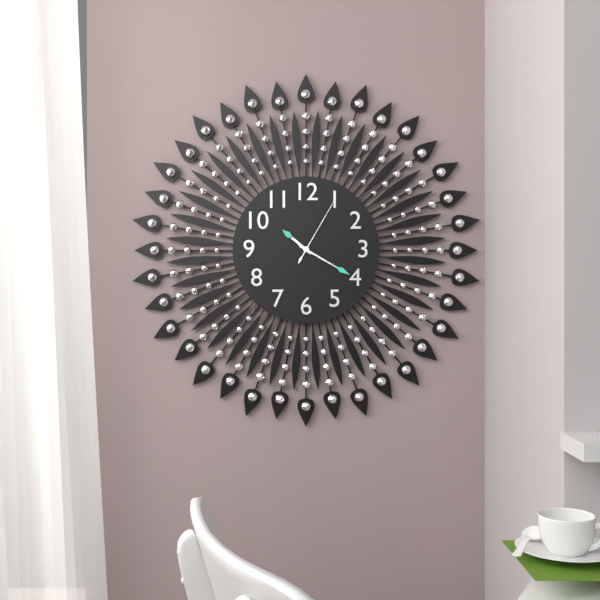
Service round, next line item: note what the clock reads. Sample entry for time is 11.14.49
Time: 10.20.05
